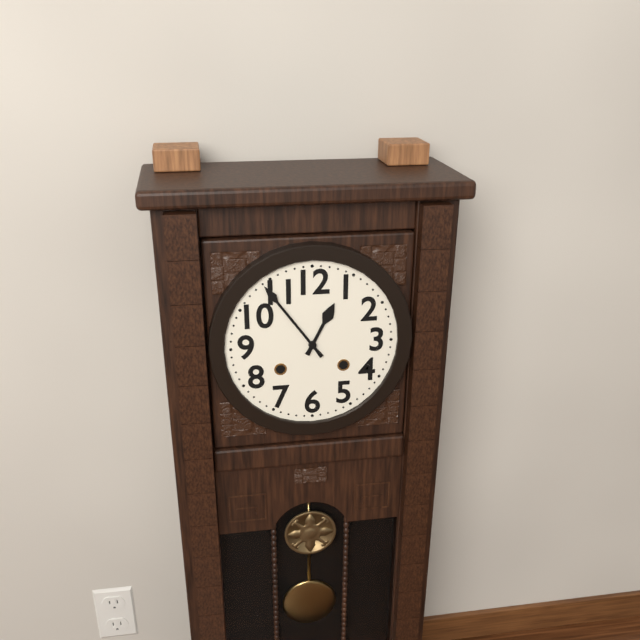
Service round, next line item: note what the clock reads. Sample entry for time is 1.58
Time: 12.54
